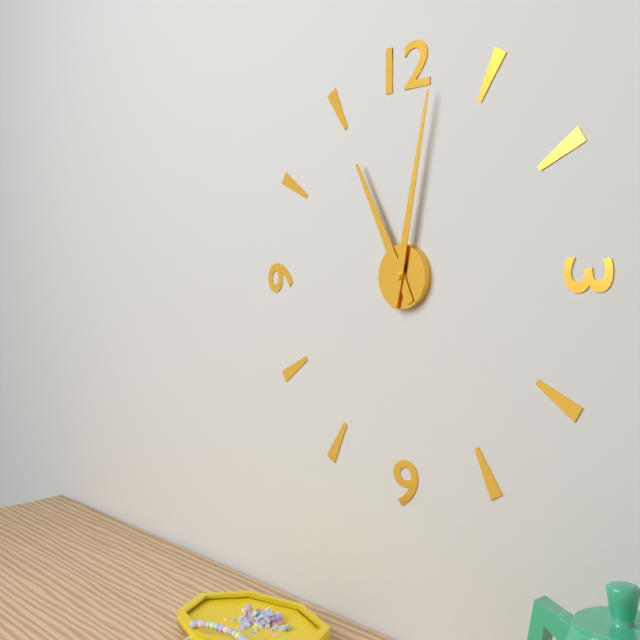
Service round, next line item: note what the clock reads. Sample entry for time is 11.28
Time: 11.02
